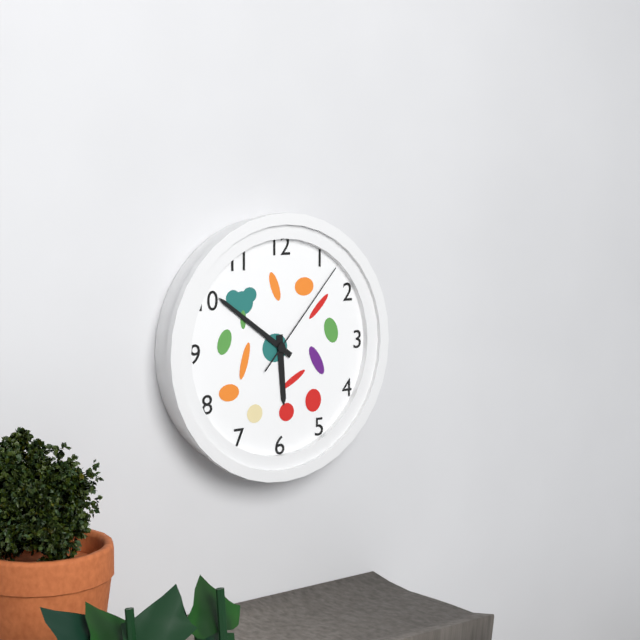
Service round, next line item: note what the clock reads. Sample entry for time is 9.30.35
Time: 5.51.07
